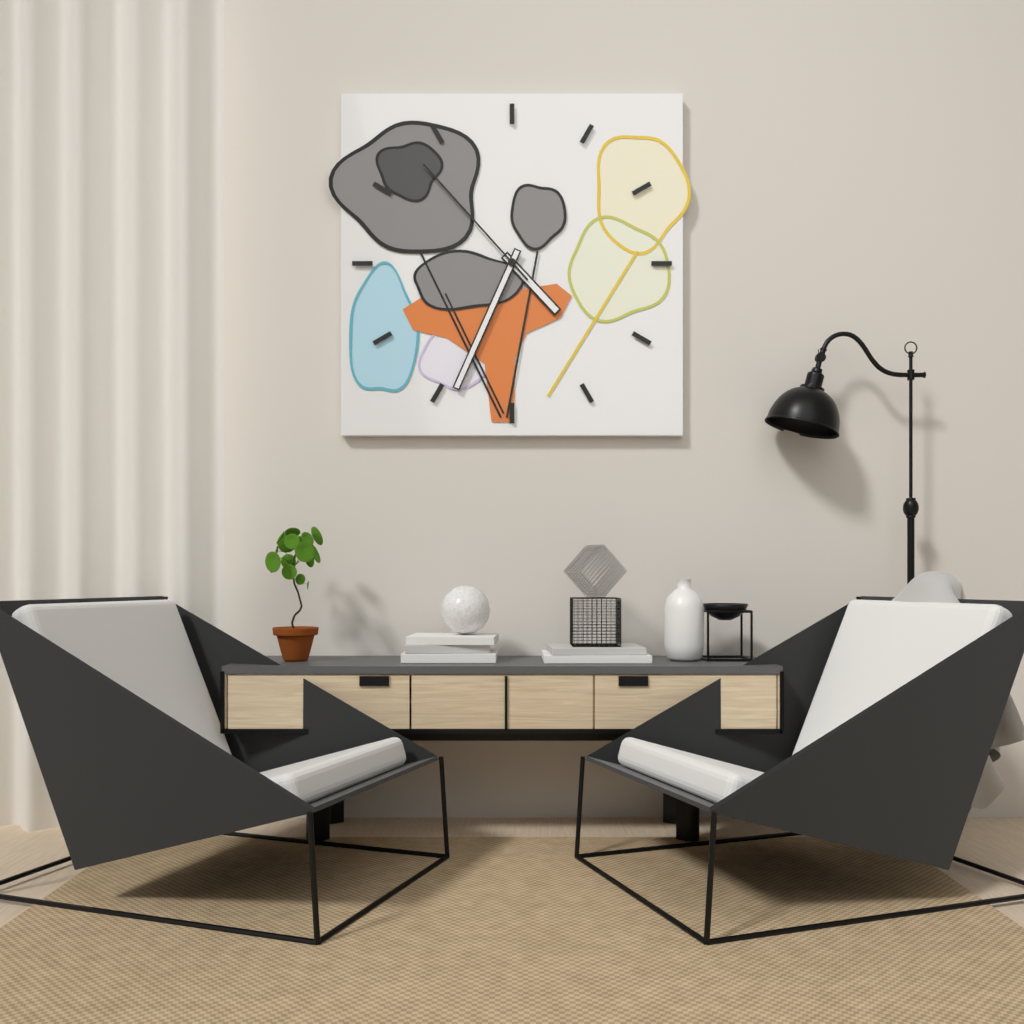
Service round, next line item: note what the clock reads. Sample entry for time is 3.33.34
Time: 4.34.53
